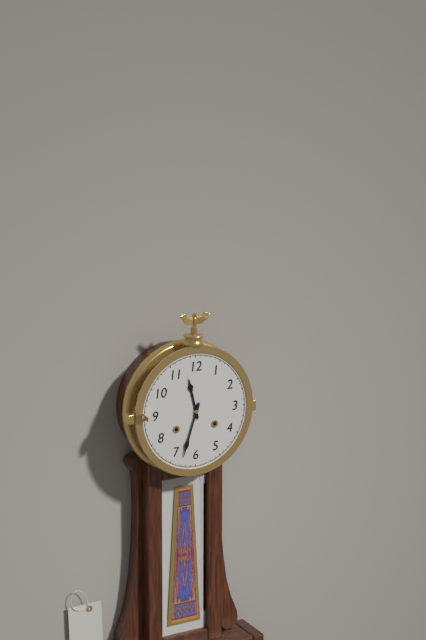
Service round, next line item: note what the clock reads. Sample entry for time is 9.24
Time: 11.33
